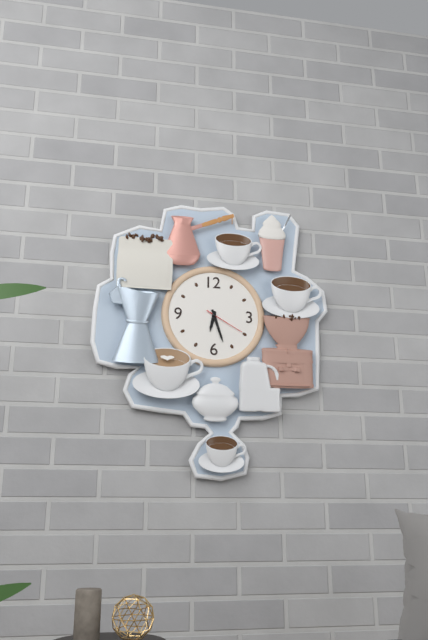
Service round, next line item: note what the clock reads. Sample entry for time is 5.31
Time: 6.27
